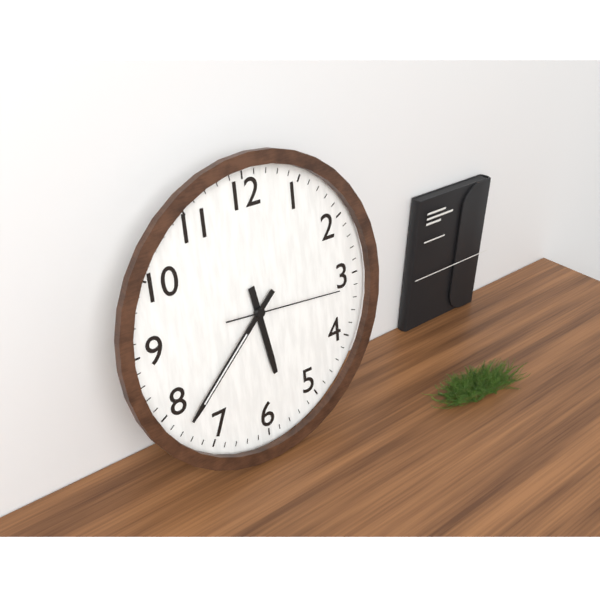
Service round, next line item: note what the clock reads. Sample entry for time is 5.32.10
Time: 5.38.16
